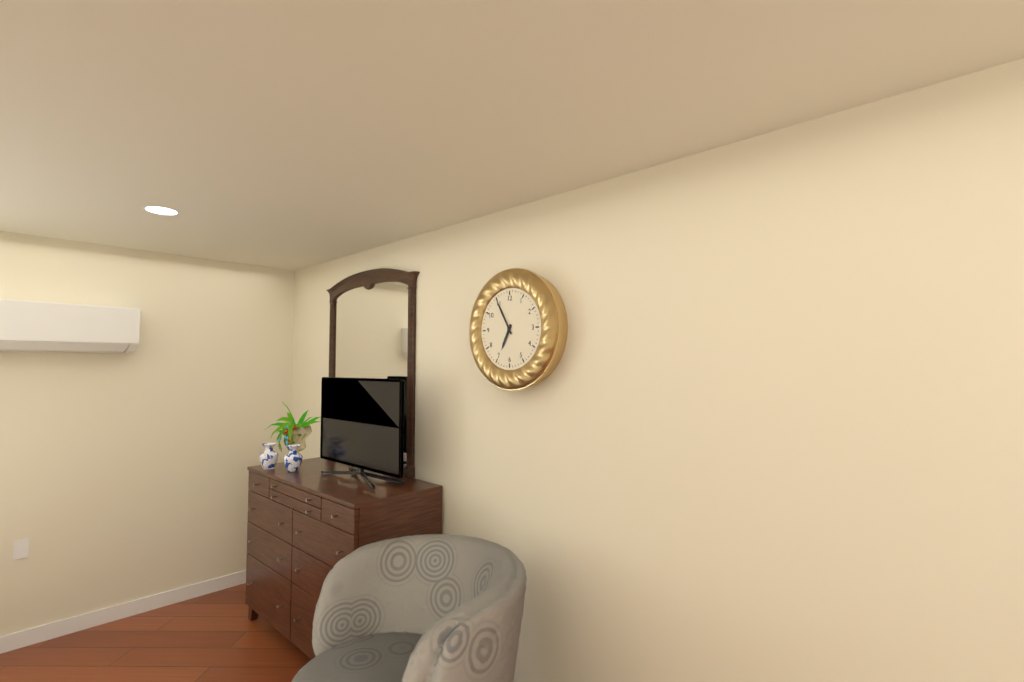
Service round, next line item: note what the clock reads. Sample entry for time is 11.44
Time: 6.55
